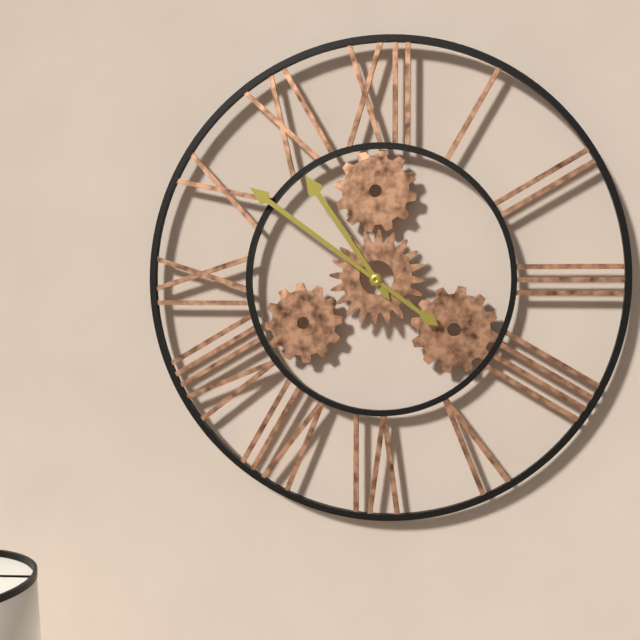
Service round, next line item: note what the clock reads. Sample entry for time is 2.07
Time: 10.51
